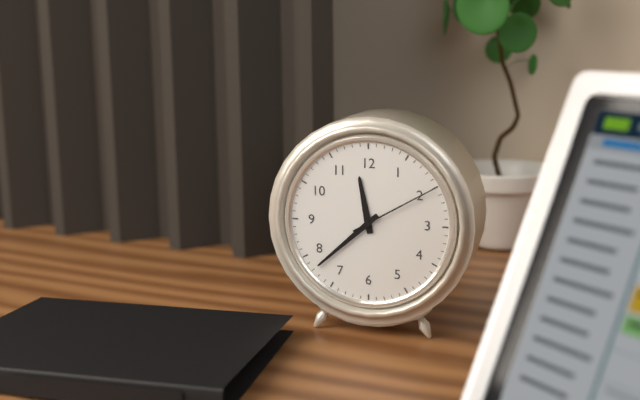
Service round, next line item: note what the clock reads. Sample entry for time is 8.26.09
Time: 11.38.10
